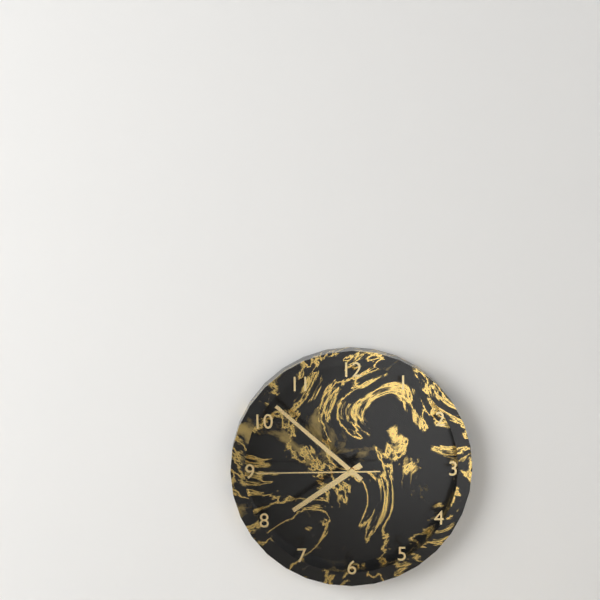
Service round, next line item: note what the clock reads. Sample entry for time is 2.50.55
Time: 7.52.45
